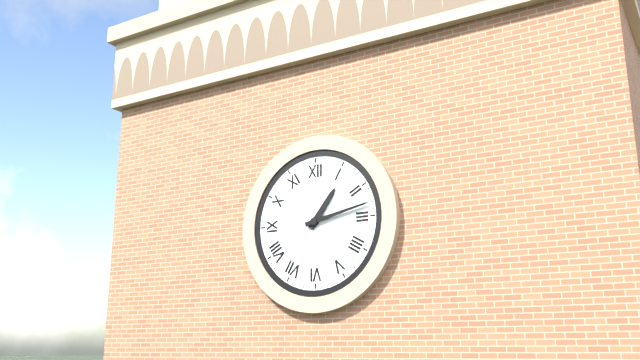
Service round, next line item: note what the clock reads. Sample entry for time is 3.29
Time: 1.13
